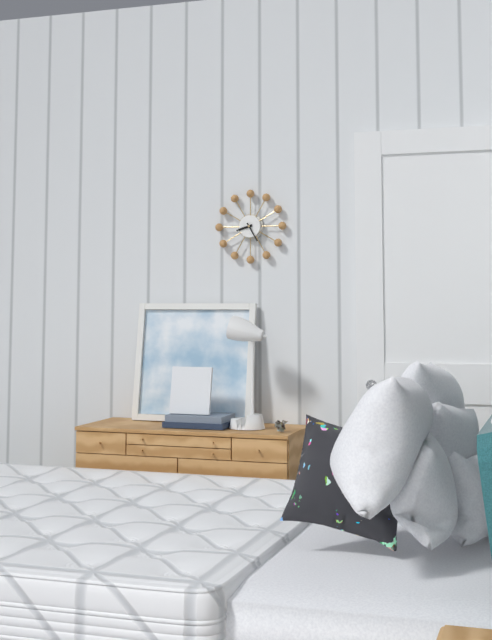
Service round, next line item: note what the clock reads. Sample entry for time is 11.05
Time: 8.25
